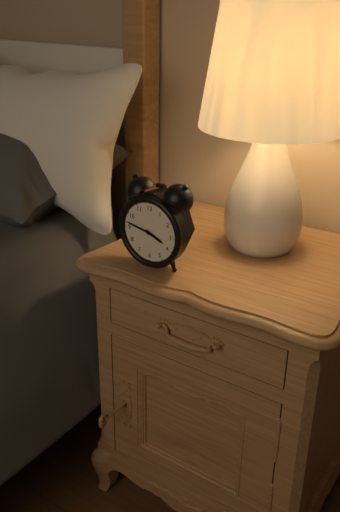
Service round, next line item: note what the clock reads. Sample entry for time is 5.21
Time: 3.47
